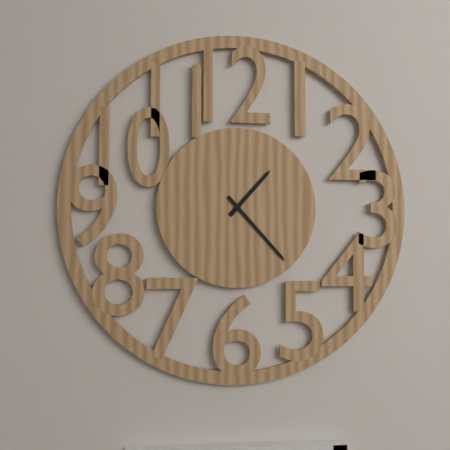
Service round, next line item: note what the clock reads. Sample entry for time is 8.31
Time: 1.23
